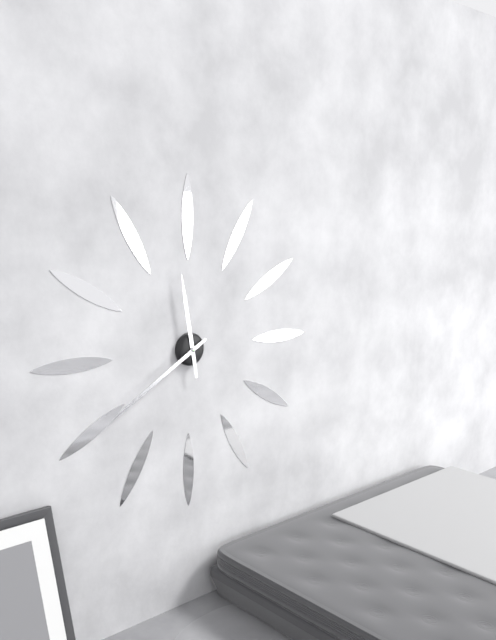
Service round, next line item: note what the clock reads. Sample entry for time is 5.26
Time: 11.40
